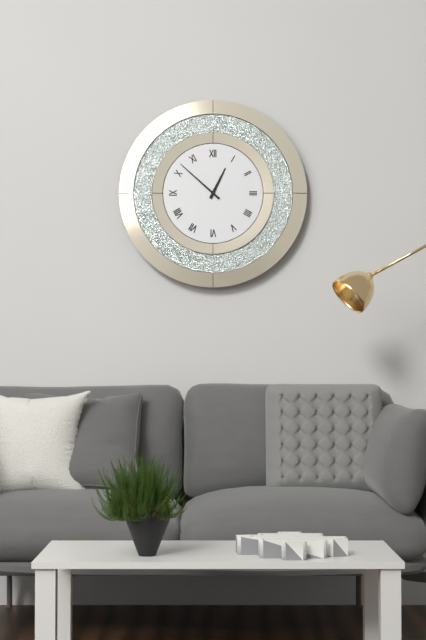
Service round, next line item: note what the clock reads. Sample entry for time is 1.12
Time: 12.52
